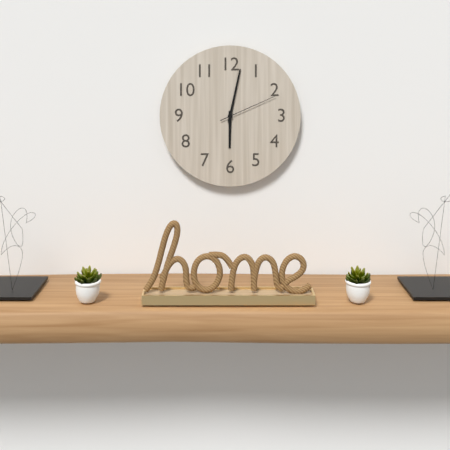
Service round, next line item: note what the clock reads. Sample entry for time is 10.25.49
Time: 6.02.11
